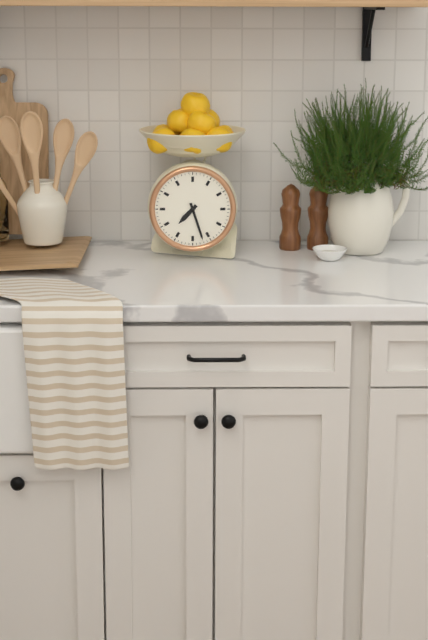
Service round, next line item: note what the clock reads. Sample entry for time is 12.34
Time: 7.27
